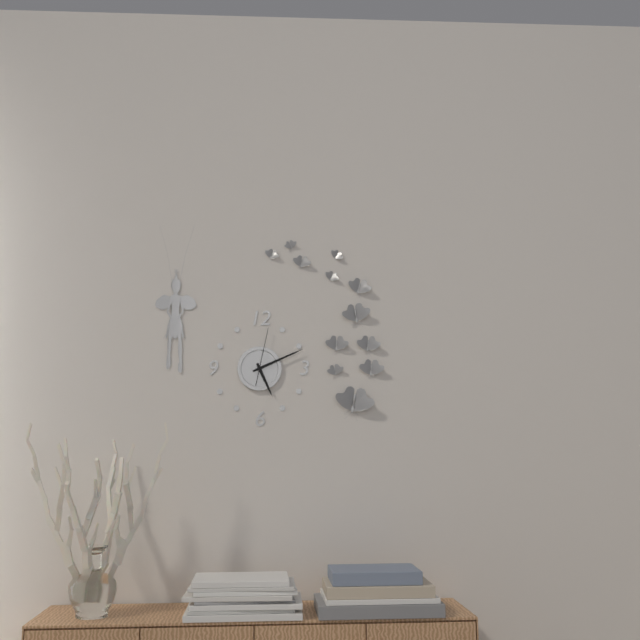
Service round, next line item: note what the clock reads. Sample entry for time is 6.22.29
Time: 5.11.02
